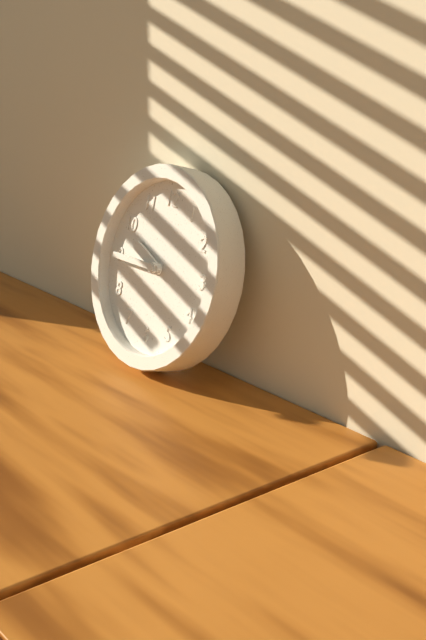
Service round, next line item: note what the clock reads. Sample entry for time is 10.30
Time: 9.45
